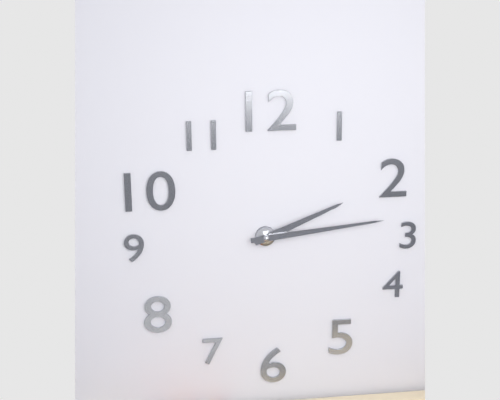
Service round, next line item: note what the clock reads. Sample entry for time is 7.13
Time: 2.14
